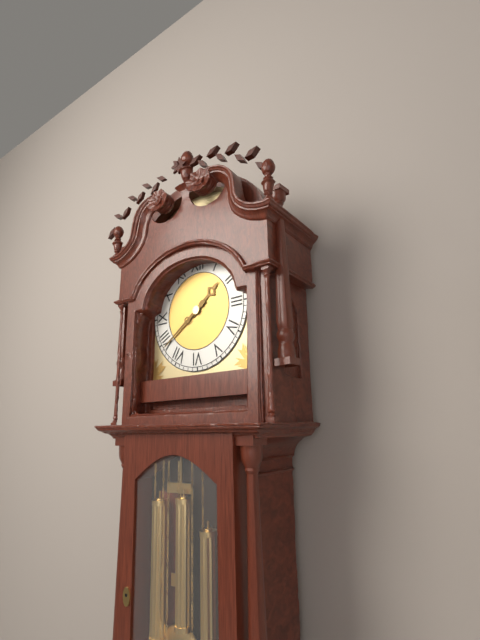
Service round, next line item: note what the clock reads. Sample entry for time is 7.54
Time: 1.39
